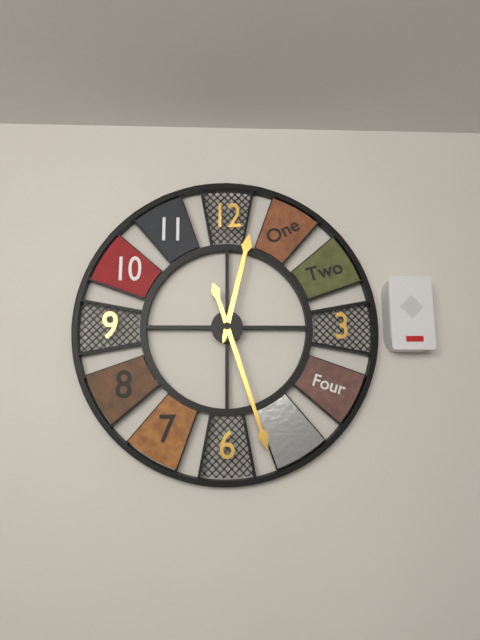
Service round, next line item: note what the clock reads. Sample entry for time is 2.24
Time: 12.27
